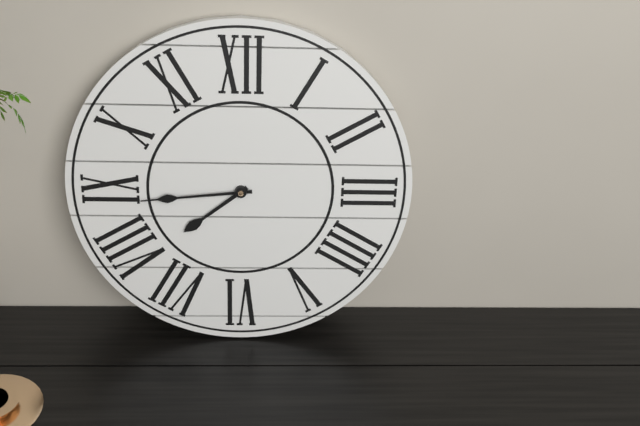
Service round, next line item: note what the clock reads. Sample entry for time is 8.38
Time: 7.44
